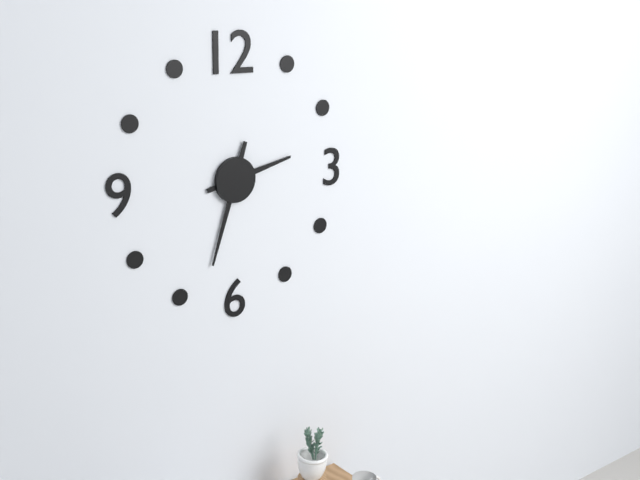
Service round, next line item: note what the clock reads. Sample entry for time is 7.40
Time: 2.33
